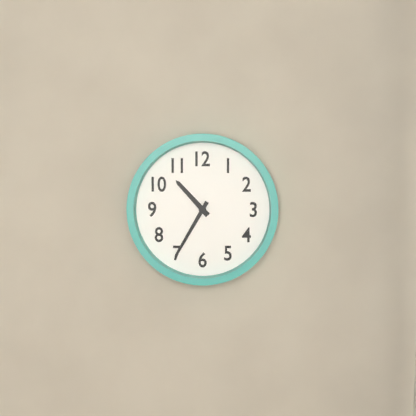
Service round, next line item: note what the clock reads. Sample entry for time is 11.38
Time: 10.35
